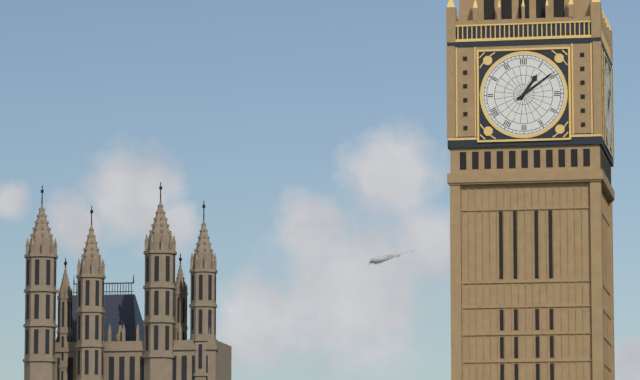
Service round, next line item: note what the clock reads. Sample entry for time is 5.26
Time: 1.09
